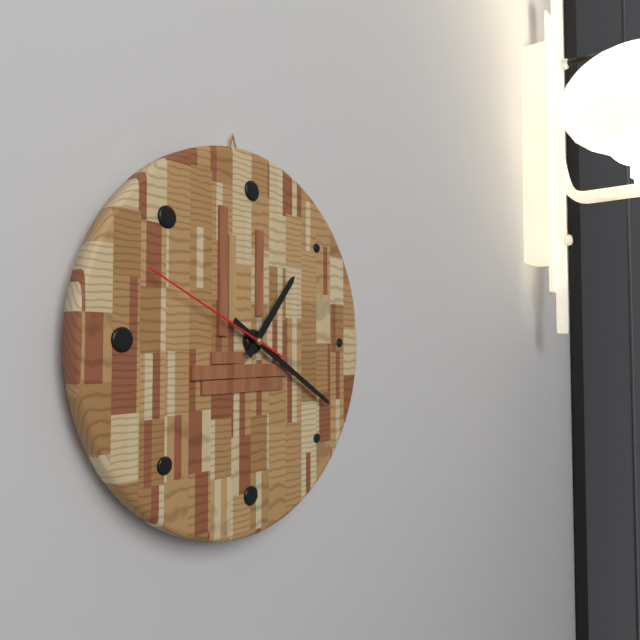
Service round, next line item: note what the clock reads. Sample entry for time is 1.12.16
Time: 1.20.49
